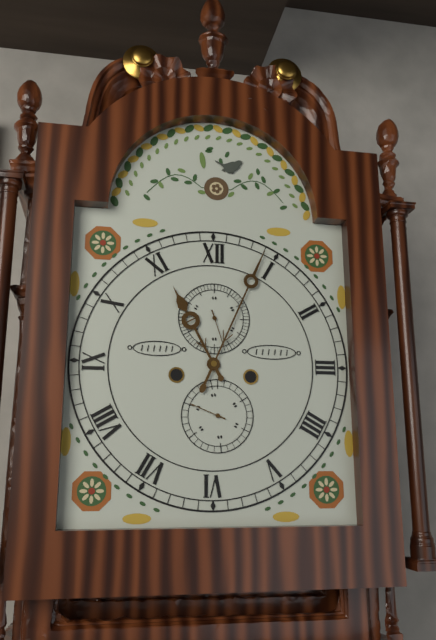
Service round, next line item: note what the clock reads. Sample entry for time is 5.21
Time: 11.04
